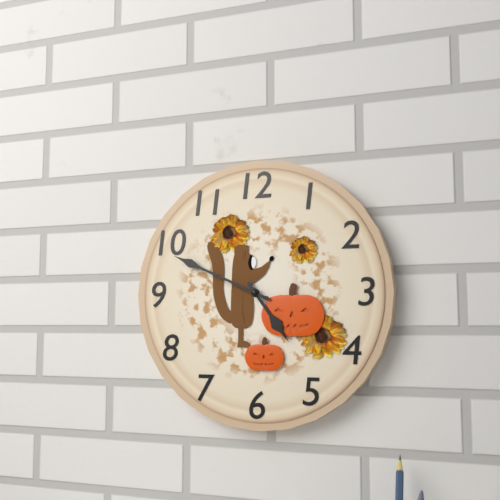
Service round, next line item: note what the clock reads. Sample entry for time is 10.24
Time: 4.49
